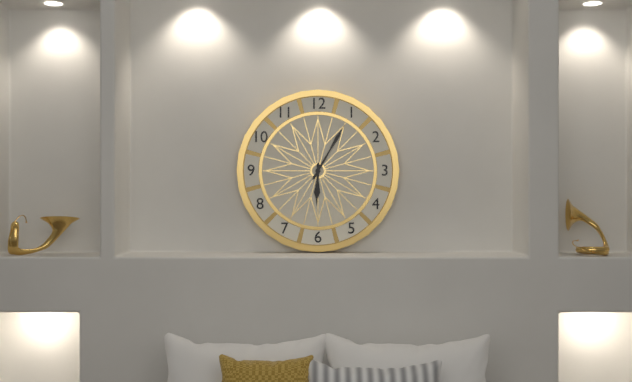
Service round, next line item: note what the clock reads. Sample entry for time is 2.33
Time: 6.05
